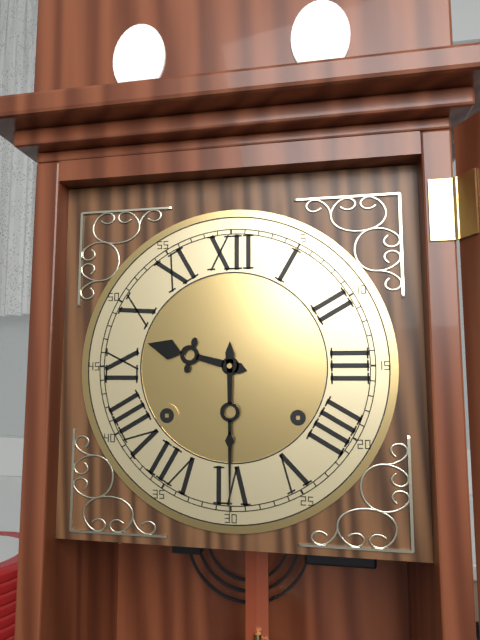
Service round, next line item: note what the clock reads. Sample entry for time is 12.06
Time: 9.30
